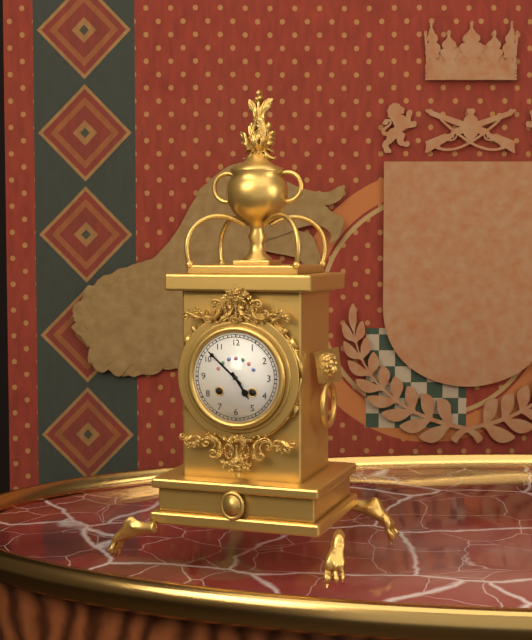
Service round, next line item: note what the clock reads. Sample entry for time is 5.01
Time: 4.52
